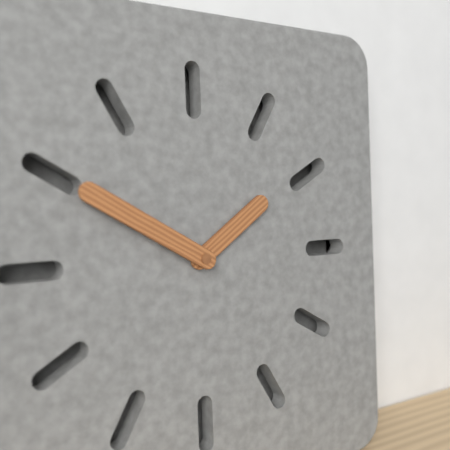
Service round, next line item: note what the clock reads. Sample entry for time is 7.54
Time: 1.50
